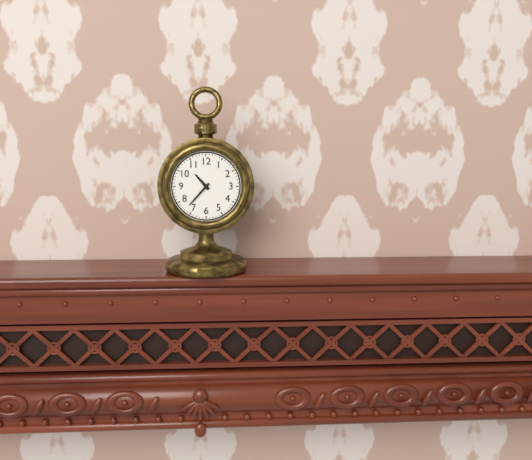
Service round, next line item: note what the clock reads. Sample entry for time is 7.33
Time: 10.37
